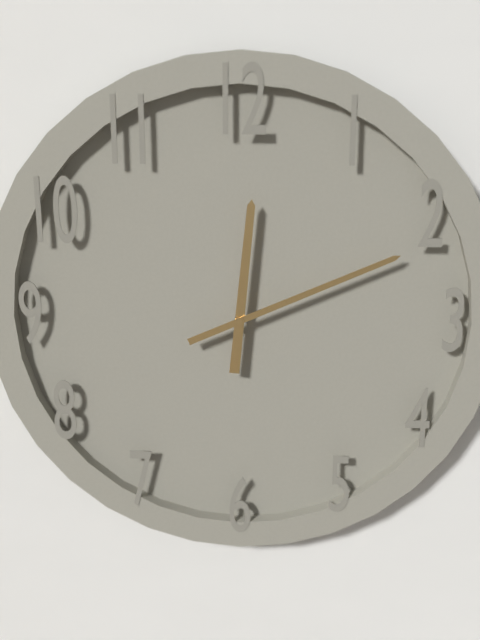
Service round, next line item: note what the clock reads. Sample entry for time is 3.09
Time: 12.11
